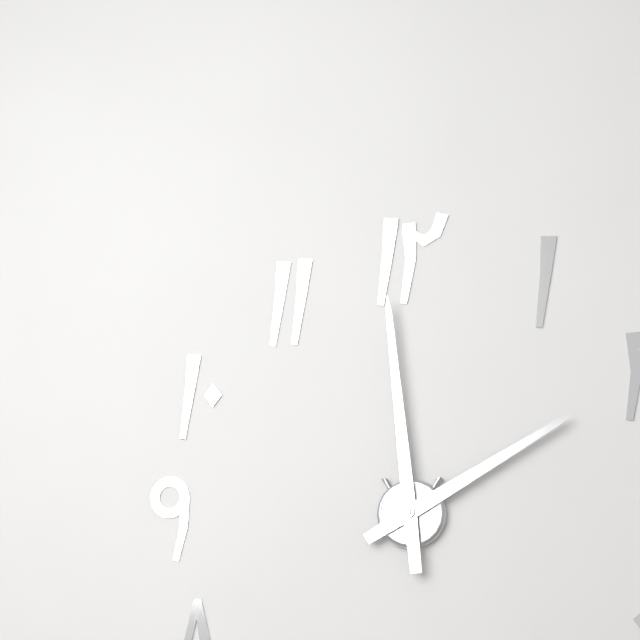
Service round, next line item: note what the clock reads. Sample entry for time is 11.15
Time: 1.59
